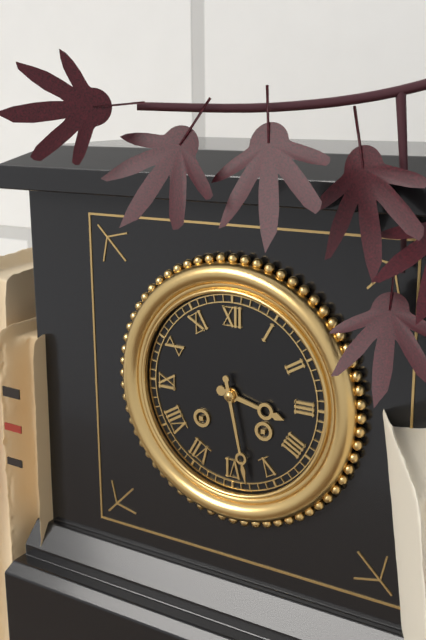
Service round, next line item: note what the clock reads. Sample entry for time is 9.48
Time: 3.28
